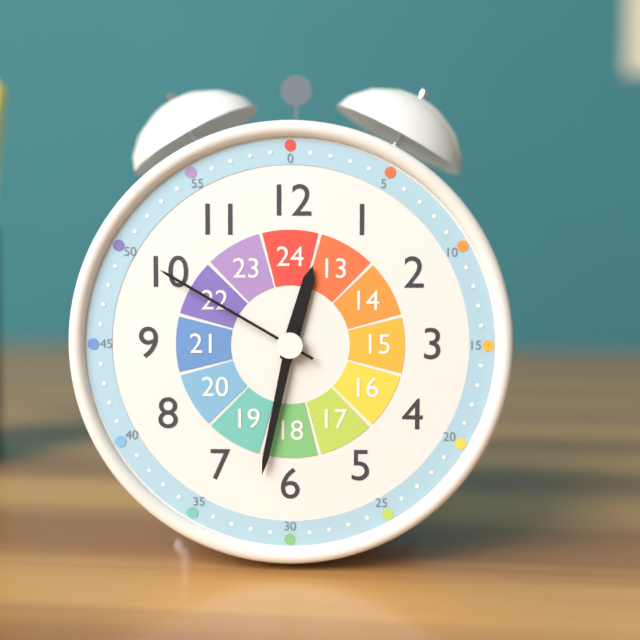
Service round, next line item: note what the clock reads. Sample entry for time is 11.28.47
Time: 12.32.50
